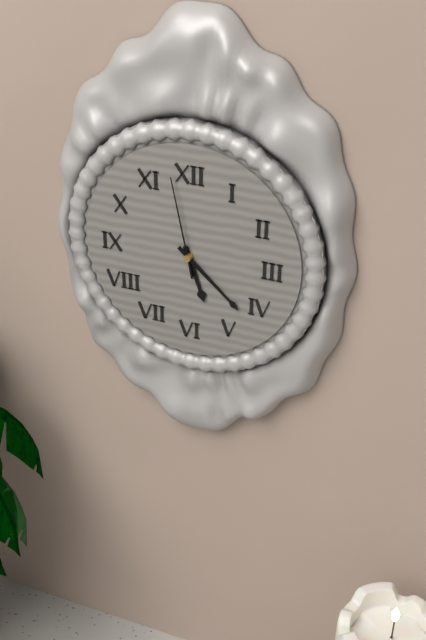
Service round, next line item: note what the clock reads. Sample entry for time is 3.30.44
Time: 5.22.58
